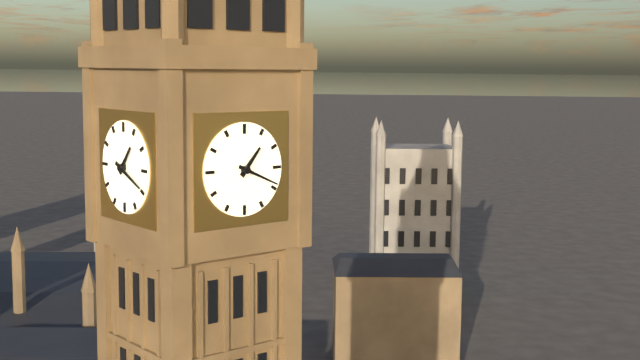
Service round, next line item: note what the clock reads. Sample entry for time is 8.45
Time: 1.19
